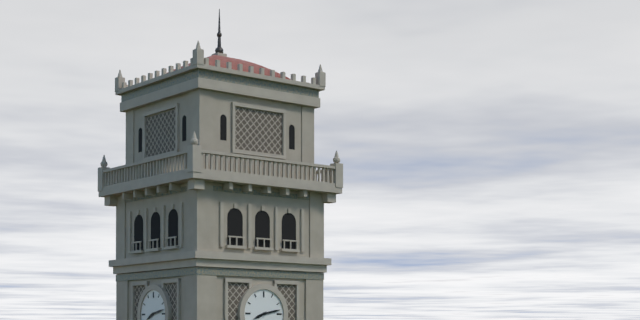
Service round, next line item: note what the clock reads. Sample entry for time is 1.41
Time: 8.13
